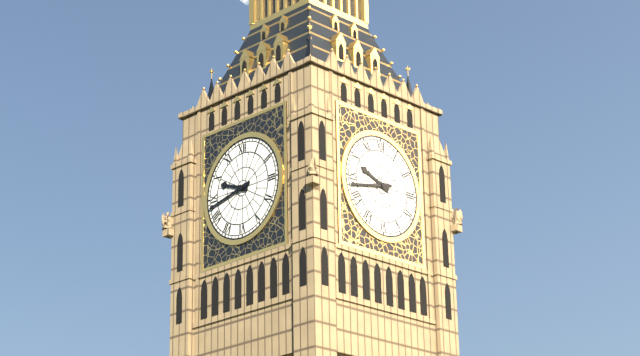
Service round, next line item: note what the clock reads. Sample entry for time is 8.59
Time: 9.43
